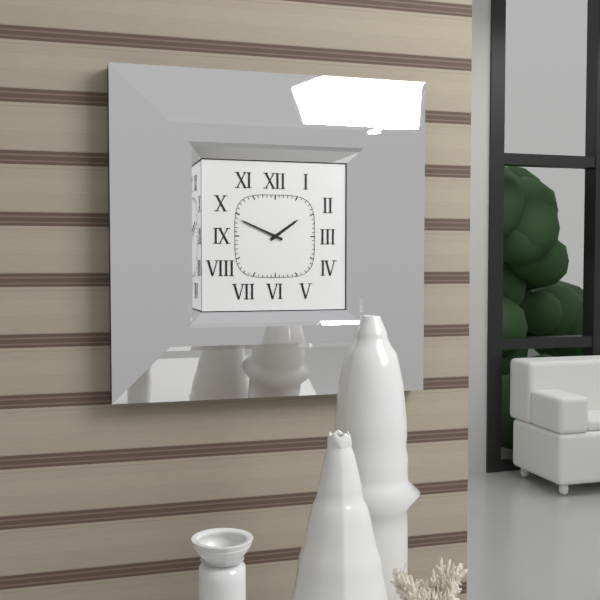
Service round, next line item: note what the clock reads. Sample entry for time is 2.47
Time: 1.49
